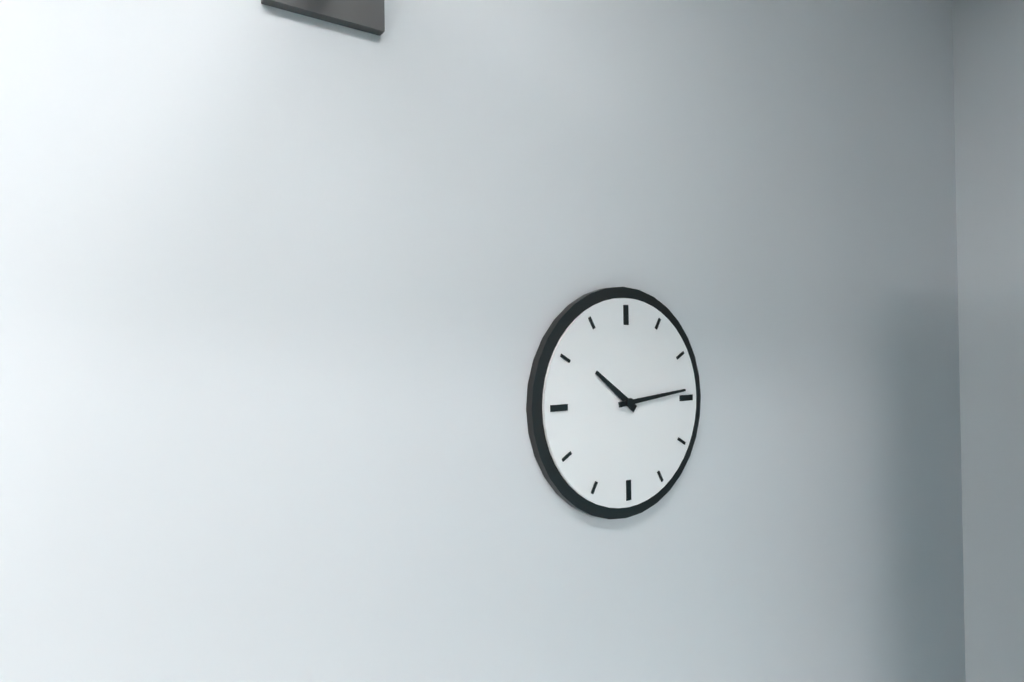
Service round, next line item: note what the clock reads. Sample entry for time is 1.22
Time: 10.14
